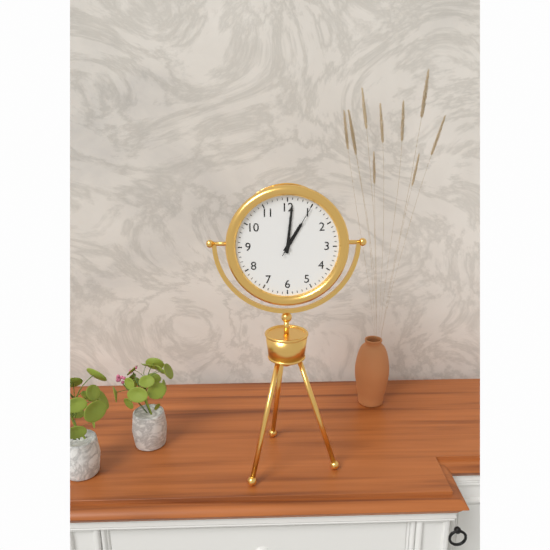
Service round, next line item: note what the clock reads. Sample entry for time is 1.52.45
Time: 1.01.05
